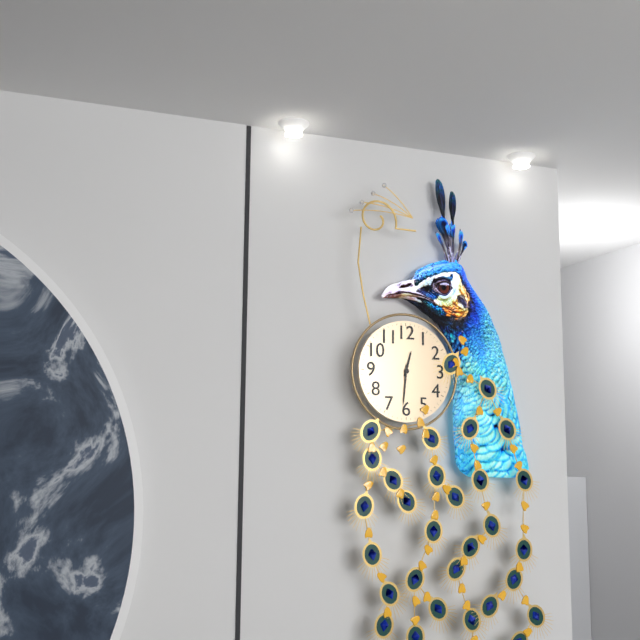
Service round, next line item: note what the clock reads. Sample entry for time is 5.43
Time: 12.31
